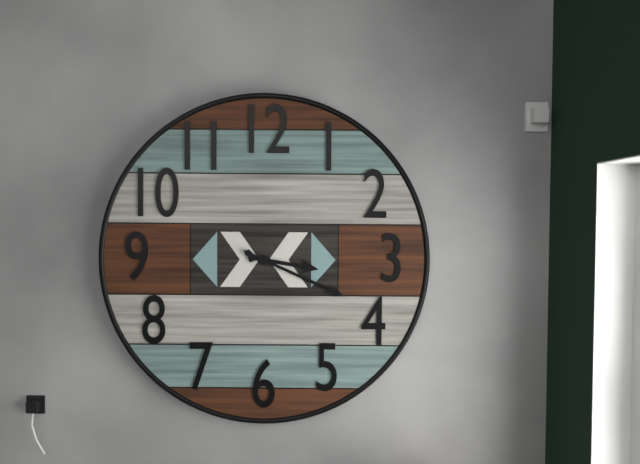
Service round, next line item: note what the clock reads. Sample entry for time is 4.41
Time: 3.19
